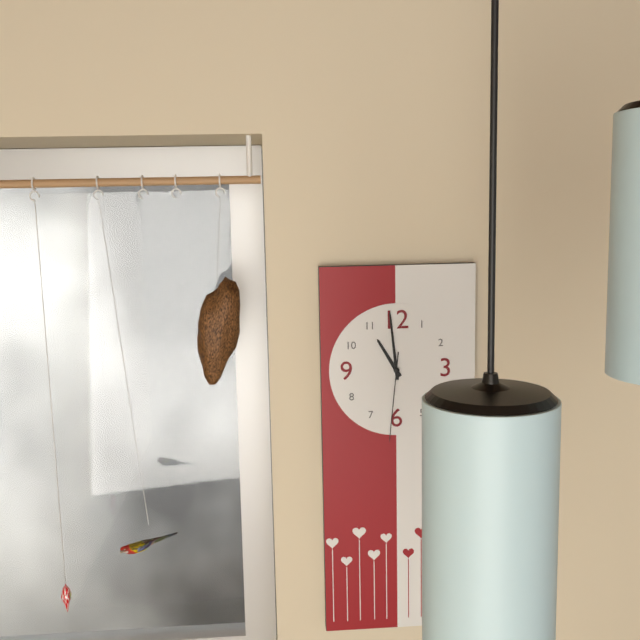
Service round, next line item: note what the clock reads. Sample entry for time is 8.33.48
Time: 10.59.31
